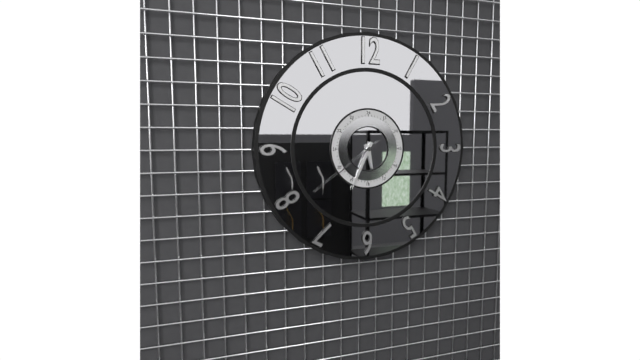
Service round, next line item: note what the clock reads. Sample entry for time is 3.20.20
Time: 5.34.39
